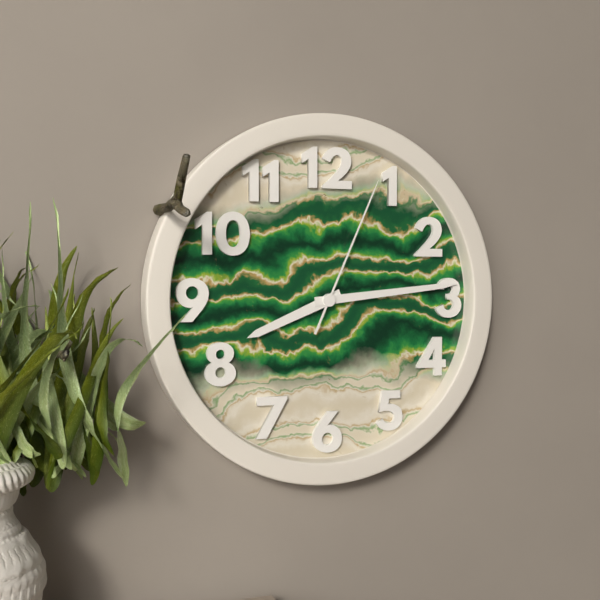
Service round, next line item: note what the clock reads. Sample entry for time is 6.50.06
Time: 8.14.04
